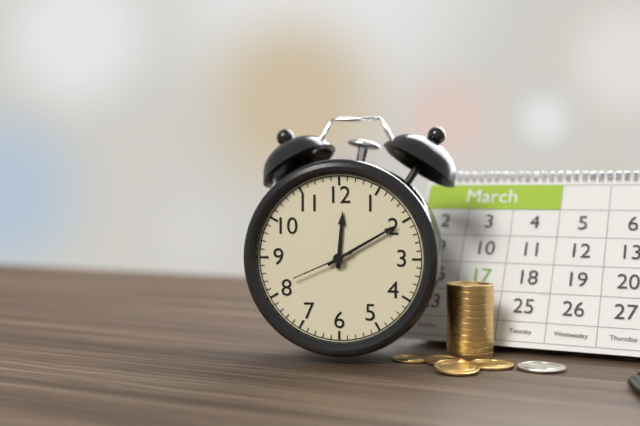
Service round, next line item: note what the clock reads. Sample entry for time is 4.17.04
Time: 12.10.41
